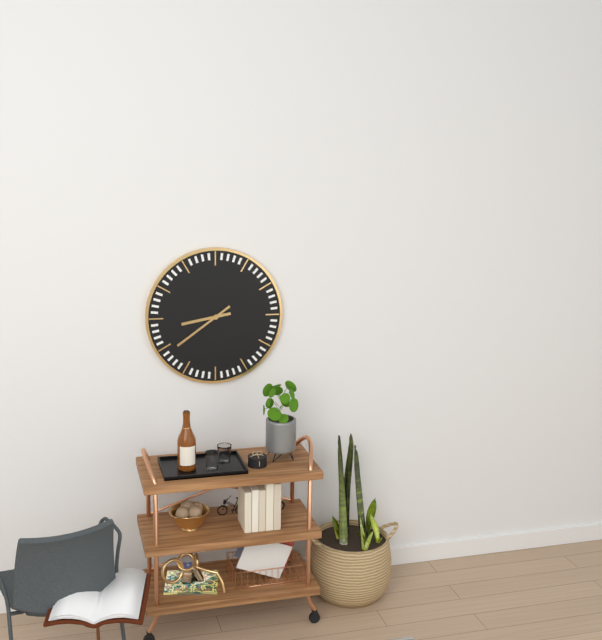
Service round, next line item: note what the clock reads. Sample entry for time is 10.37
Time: 8.39
